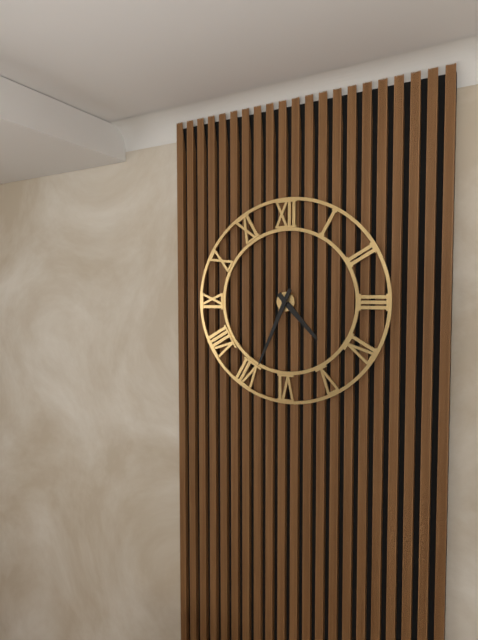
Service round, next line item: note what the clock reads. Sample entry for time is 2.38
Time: 4.34
